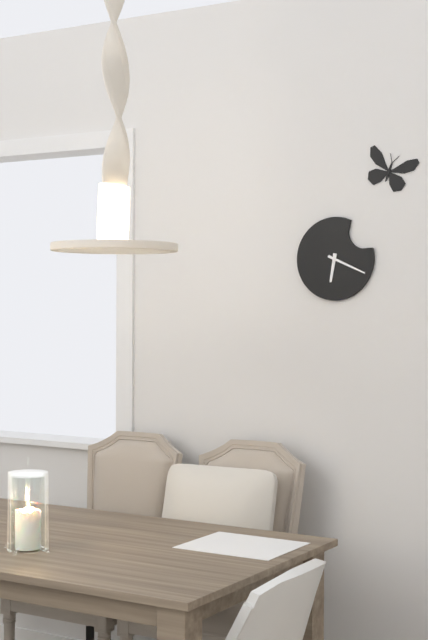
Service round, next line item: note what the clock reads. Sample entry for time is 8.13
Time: 6.19
